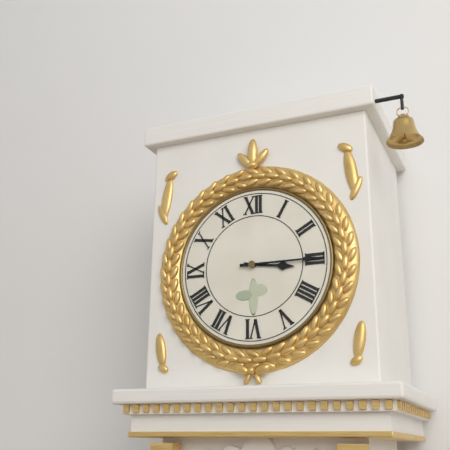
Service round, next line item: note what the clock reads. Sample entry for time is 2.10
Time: 3.15
